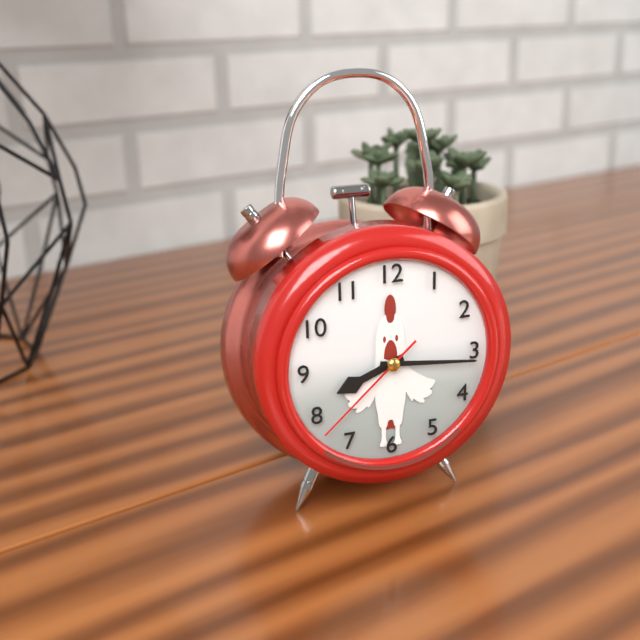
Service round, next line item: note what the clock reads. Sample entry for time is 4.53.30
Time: 8.16.38
